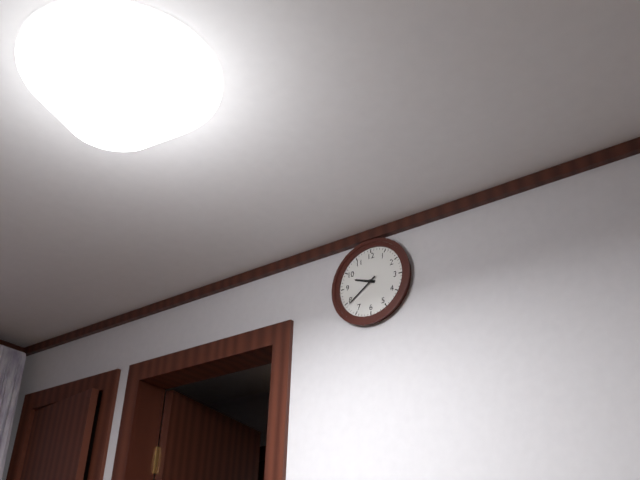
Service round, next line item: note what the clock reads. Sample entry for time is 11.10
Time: 9.39
